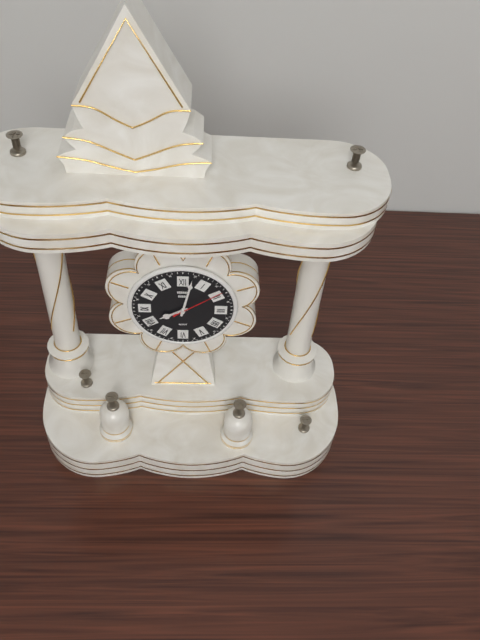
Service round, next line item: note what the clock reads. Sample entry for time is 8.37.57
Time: 8.02.09
